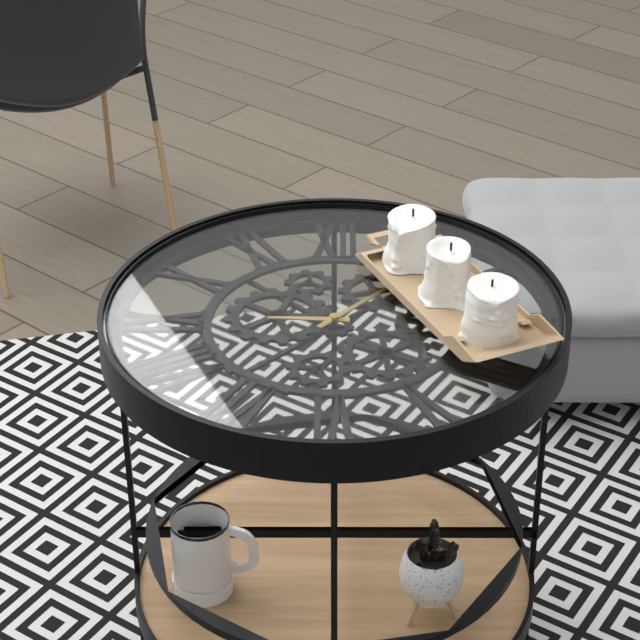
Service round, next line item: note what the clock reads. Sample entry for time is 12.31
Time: 9.07
